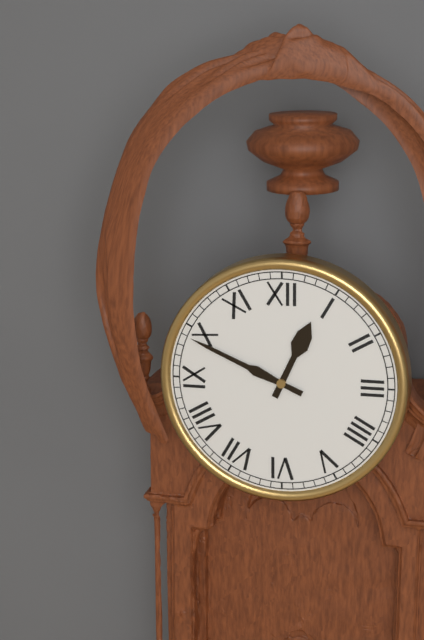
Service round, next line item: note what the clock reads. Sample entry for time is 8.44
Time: 12.49
